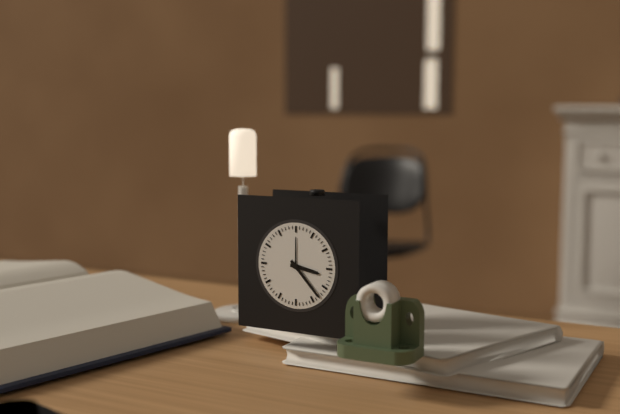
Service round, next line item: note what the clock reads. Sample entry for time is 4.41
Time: 3.23
